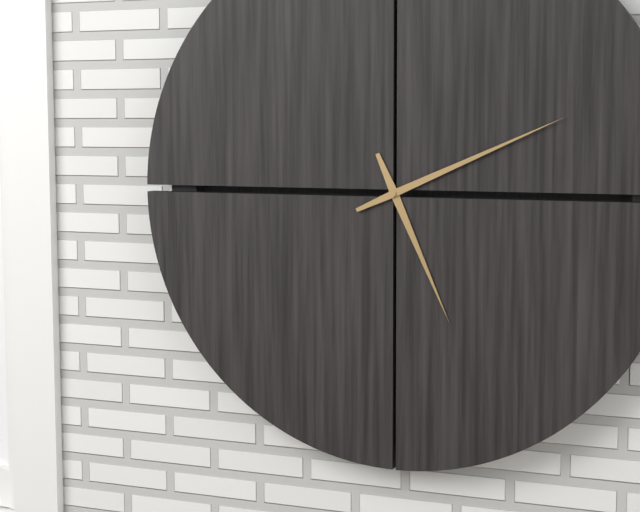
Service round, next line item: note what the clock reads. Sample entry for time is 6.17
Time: 5.11
